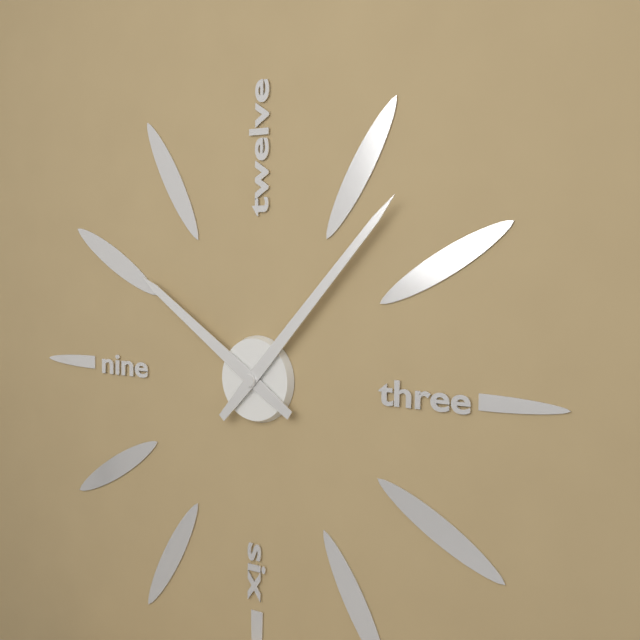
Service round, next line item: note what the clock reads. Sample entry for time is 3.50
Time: 10.07
